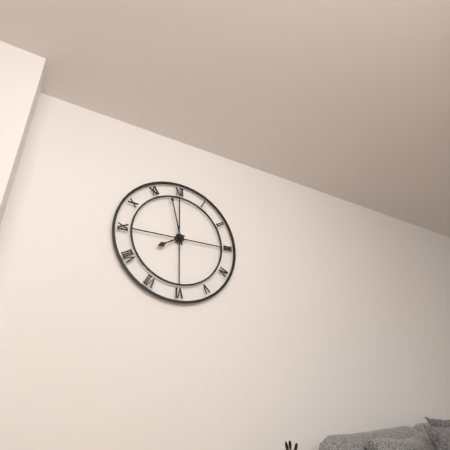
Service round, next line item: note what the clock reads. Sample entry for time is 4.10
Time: 7.58
